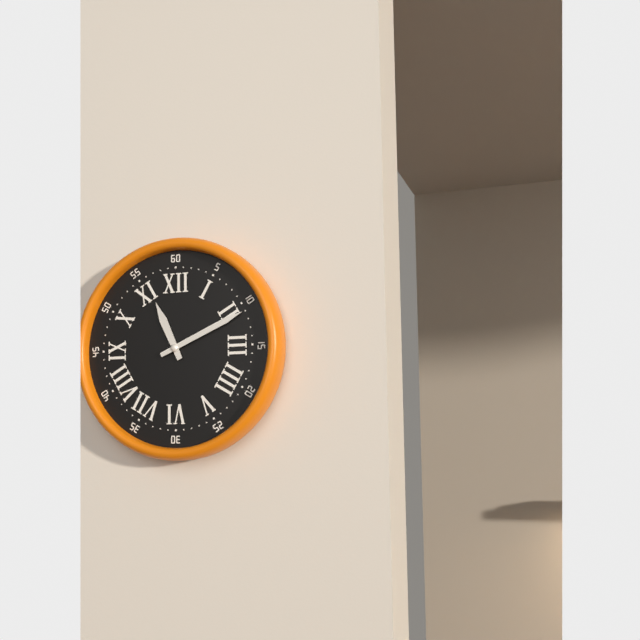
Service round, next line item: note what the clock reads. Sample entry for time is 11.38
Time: 11.11
